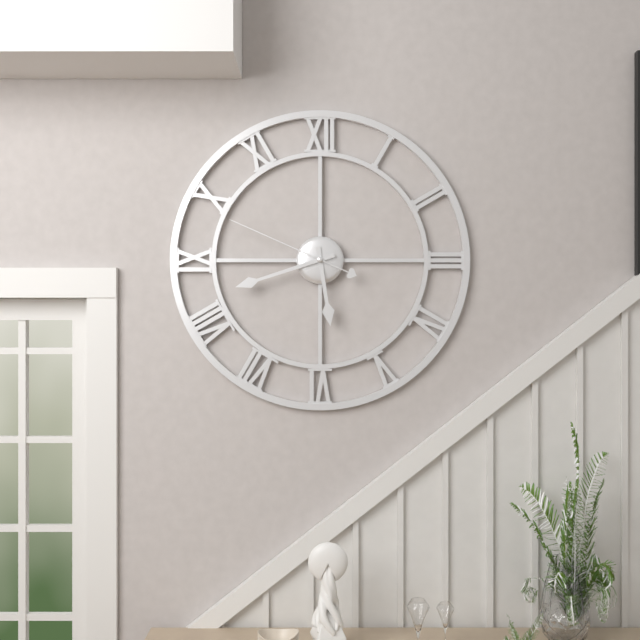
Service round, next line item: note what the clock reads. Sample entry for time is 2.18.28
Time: 5.42.49
